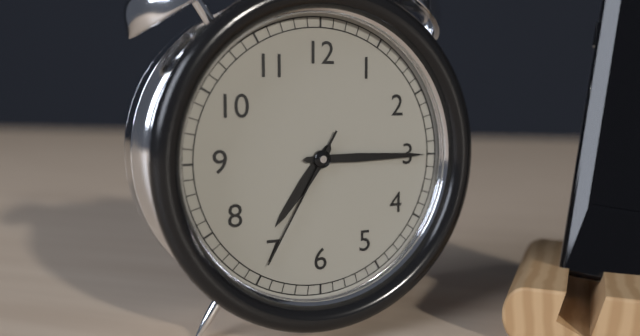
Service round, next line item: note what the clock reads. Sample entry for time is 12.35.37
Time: 7.15.35
